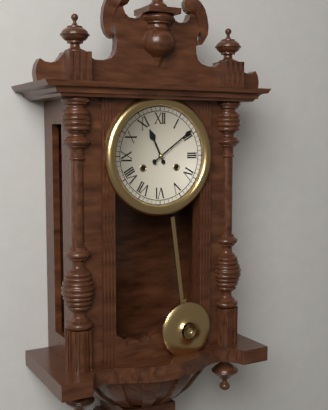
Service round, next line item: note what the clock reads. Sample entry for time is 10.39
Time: 11.09
